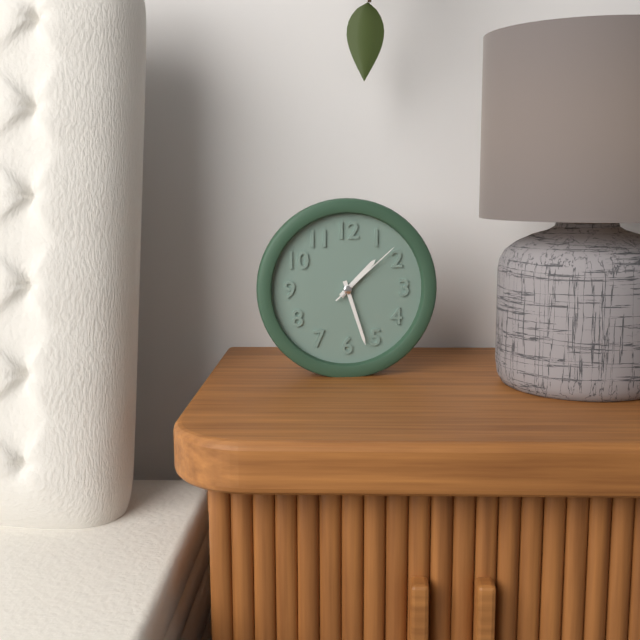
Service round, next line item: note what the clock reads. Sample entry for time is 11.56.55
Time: 1.27.08
